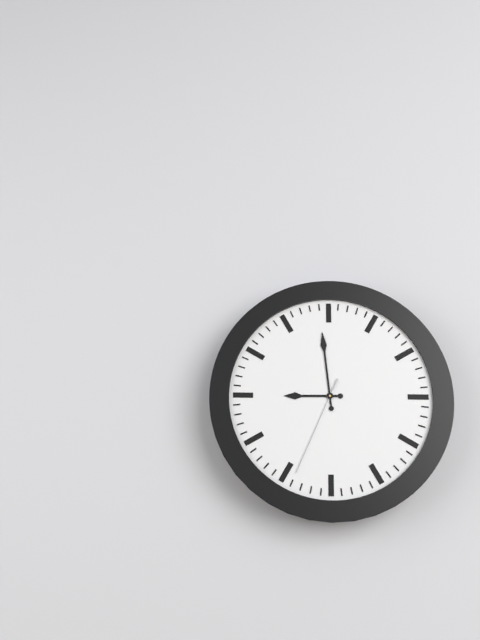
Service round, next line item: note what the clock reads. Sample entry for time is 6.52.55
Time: 8.59.34
